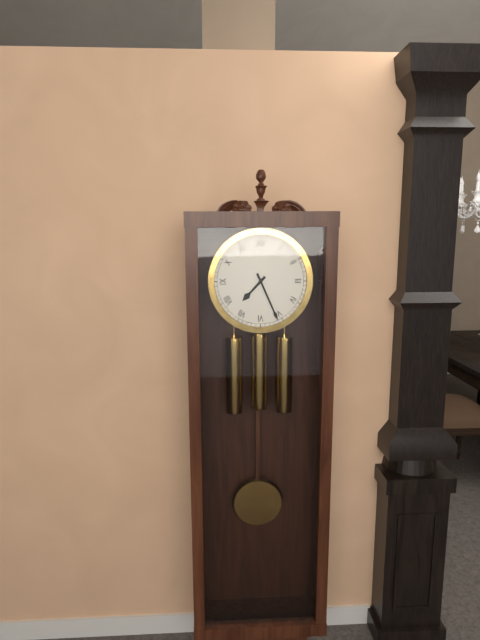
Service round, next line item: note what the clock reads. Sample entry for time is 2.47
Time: 7.26
